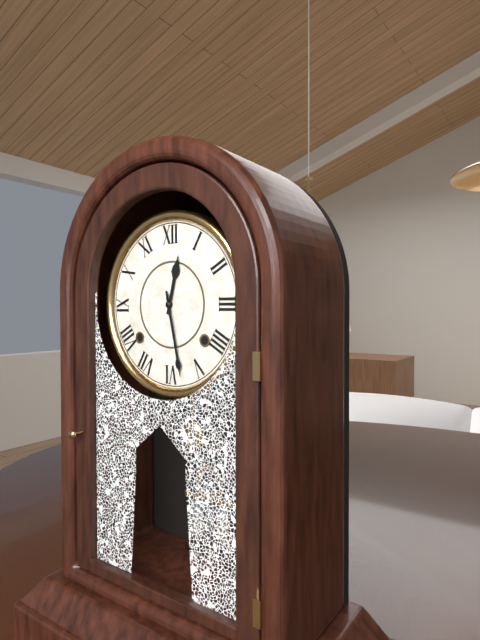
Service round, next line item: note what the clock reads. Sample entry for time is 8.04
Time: 12.28
